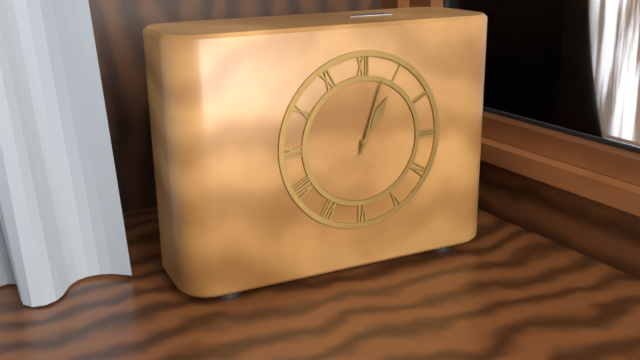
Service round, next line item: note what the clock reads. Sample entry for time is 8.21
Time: 1.03
